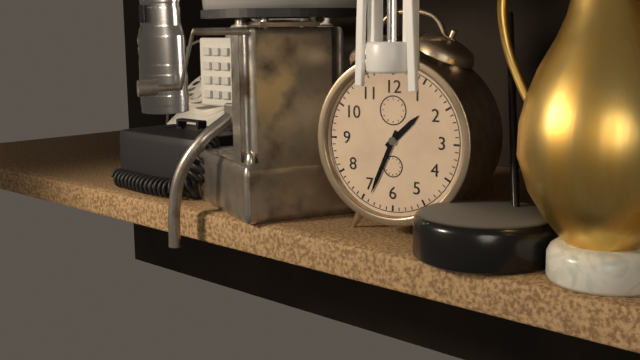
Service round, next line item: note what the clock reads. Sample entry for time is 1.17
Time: 1.34
